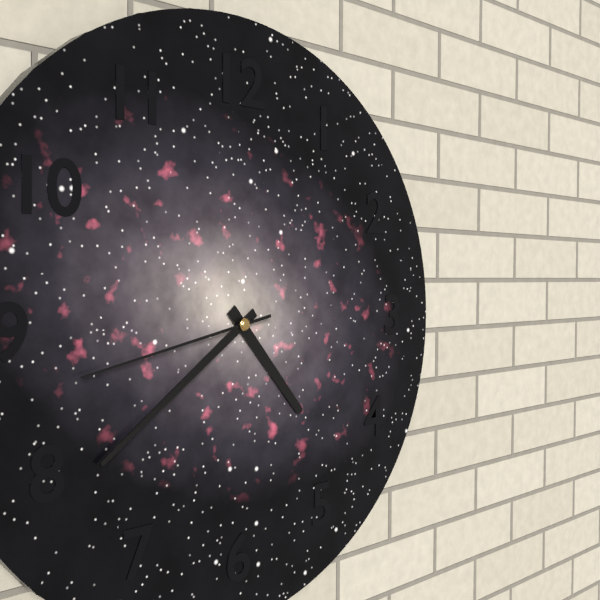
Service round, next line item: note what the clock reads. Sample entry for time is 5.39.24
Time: 4.39.43
